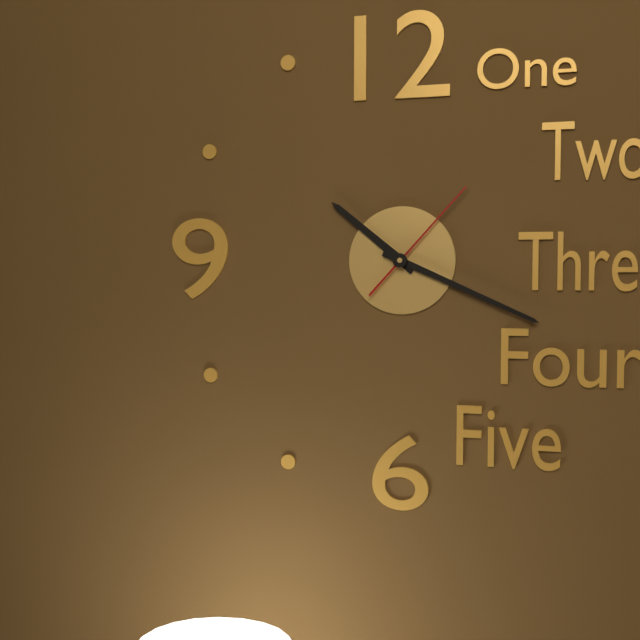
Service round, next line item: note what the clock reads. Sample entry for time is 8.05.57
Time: 10.19.07
